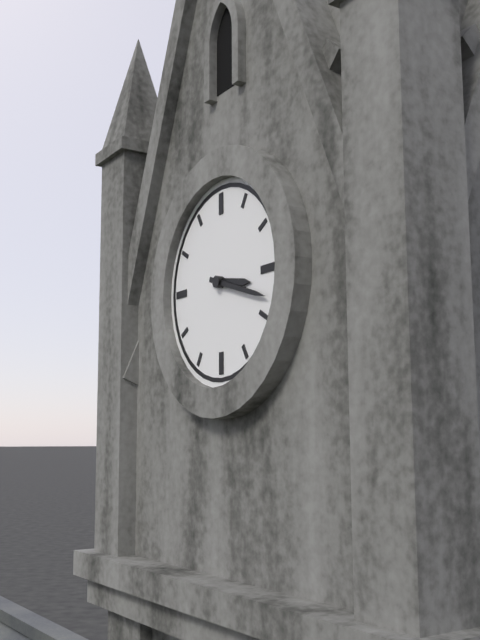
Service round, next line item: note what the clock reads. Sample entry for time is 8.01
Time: 3.18
